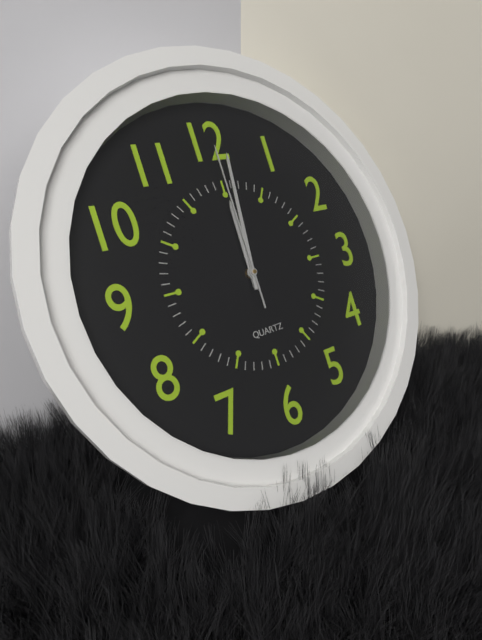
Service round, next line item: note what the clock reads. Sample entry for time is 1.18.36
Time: 12.01.00
